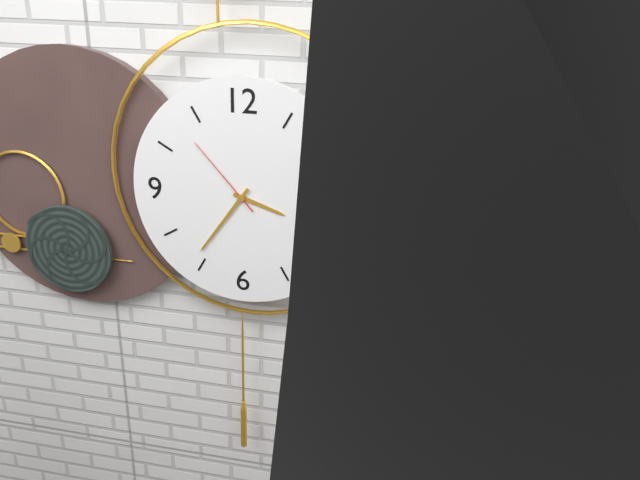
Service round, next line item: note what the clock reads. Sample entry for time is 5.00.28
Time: 3.36.53
